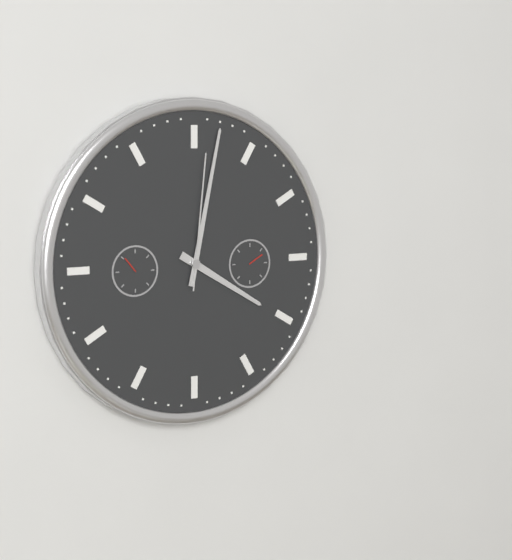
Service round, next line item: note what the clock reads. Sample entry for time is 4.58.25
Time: 4.02.01
